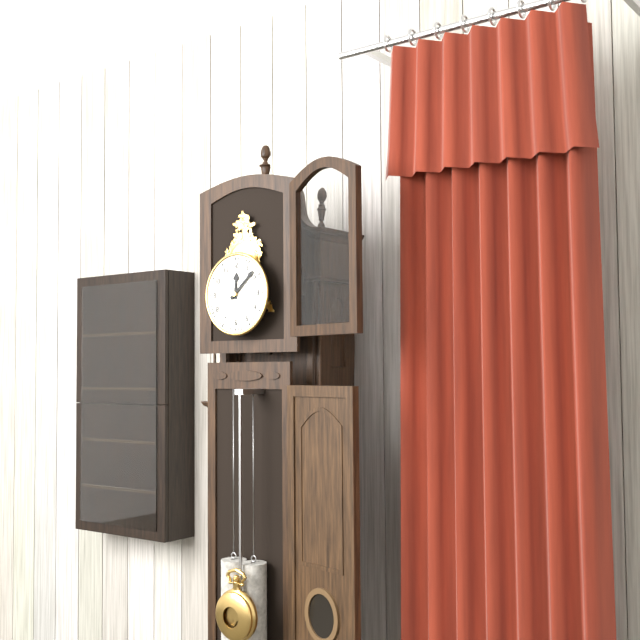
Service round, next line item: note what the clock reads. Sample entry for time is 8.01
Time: 12.08
